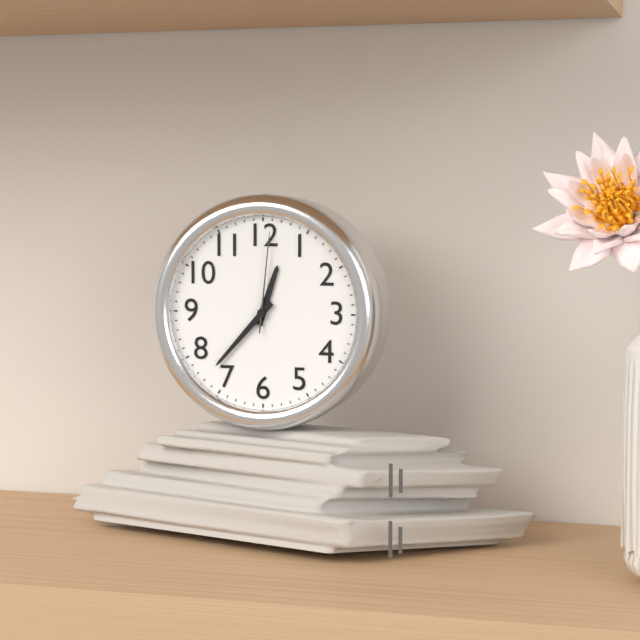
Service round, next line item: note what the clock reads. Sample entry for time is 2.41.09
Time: 12.37.01
